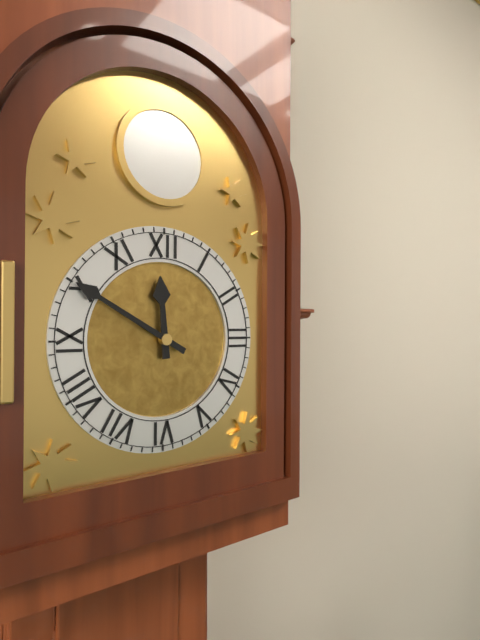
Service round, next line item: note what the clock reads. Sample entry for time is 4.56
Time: 11.50
